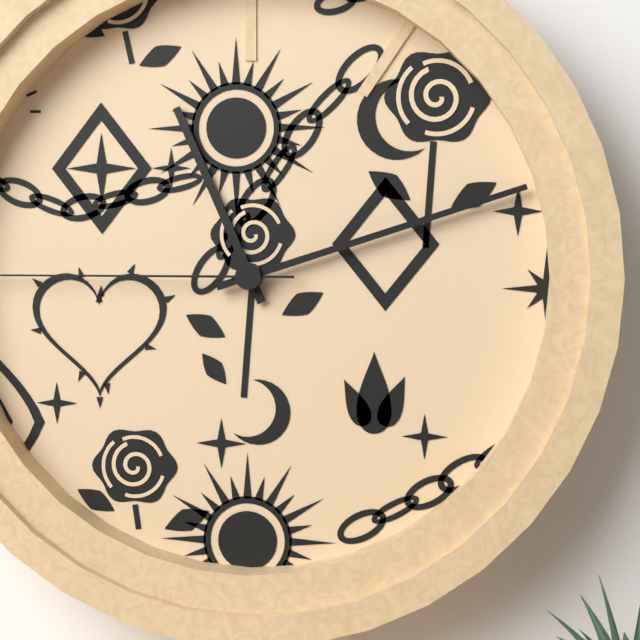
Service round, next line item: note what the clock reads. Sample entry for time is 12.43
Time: 11.12
